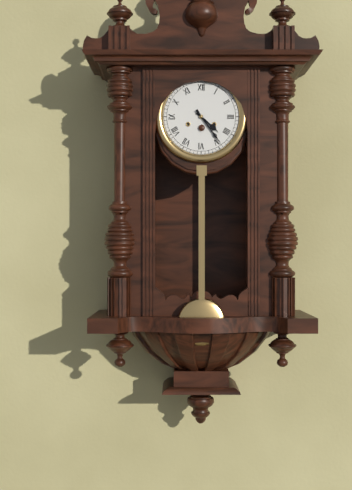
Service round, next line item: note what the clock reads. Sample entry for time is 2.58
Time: 4.24
